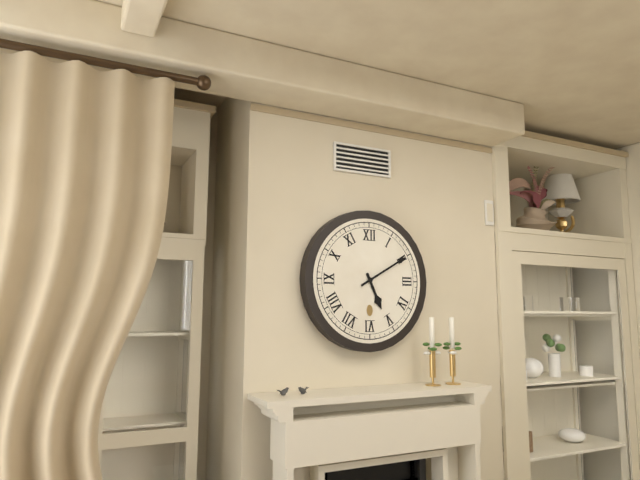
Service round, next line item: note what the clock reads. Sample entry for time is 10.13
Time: 5.10
